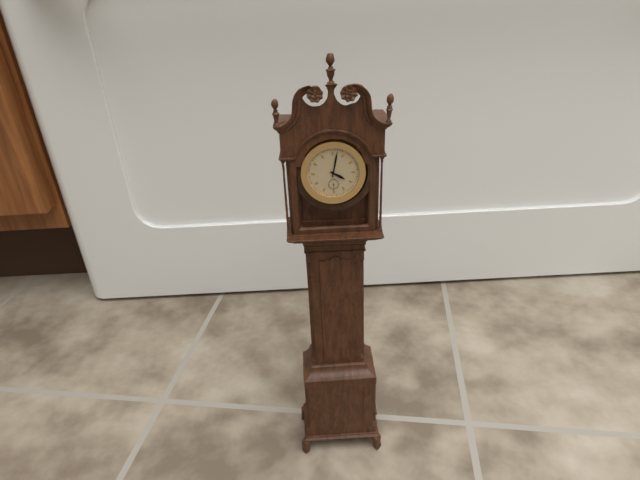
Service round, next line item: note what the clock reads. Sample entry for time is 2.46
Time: 4.02
